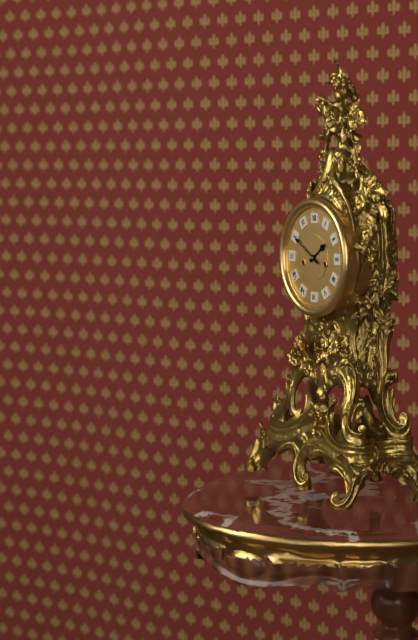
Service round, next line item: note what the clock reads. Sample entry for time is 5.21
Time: 1.50
